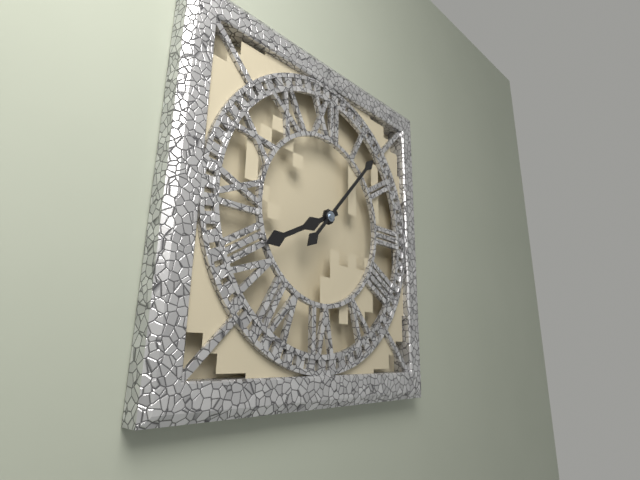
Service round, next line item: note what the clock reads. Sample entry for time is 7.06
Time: 8.07
